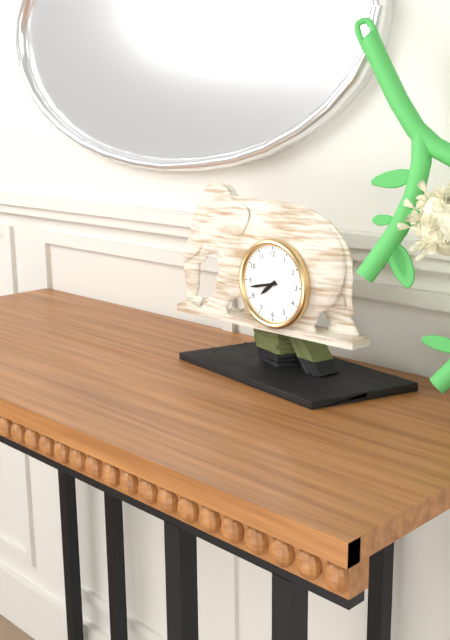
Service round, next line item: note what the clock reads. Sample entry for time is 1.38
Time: 7.43
